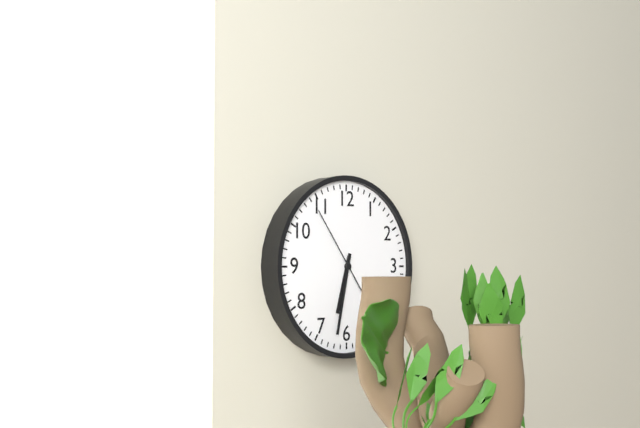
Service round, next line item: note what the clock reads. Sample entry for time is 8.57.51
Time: 6.32.54
